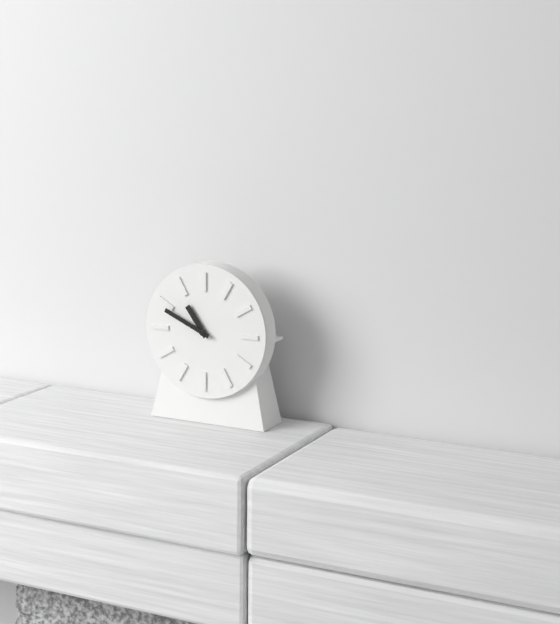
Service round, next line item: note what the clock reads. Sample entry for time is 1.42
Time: 10.49
